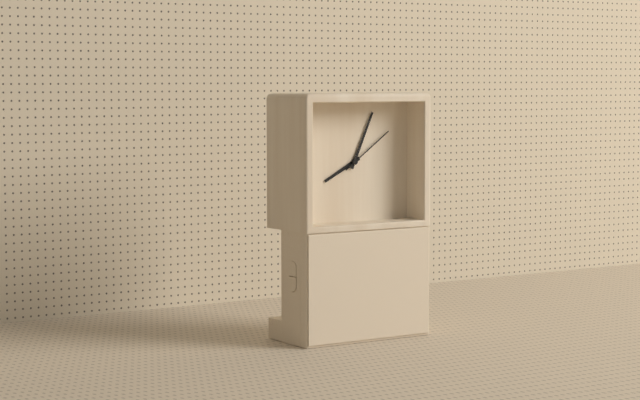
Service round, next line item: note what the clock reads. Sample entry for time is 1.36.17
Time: 8.04.09
